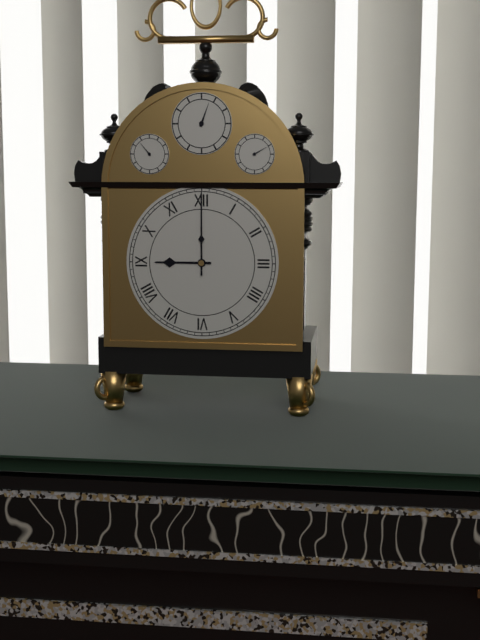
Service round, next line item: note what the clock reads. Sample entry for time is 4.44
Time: 9.00
